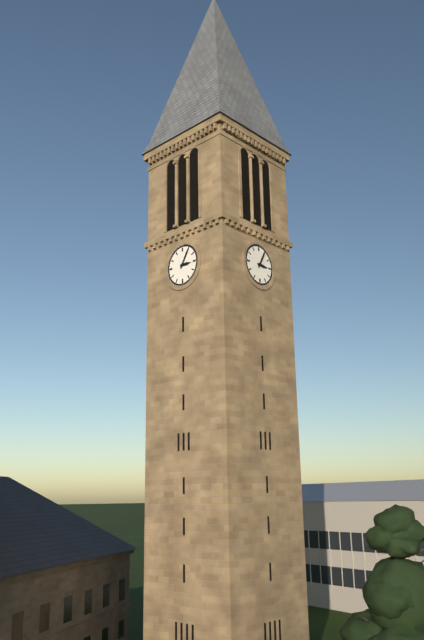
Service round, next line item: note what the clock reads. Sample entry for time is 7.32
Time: 3.05
